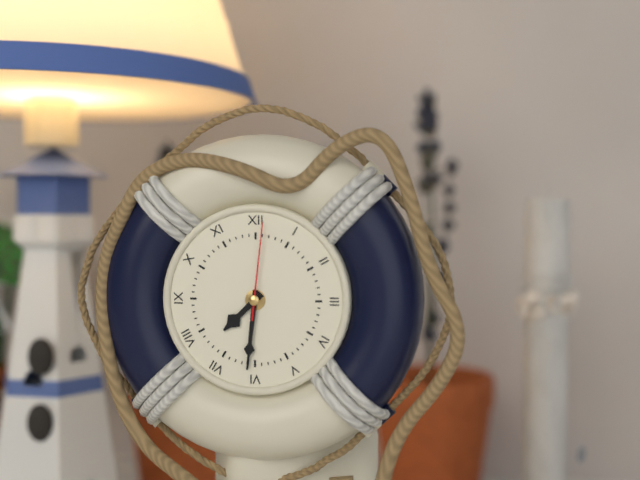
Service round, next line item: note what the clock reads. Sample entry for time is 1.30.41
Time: 7.31.01
